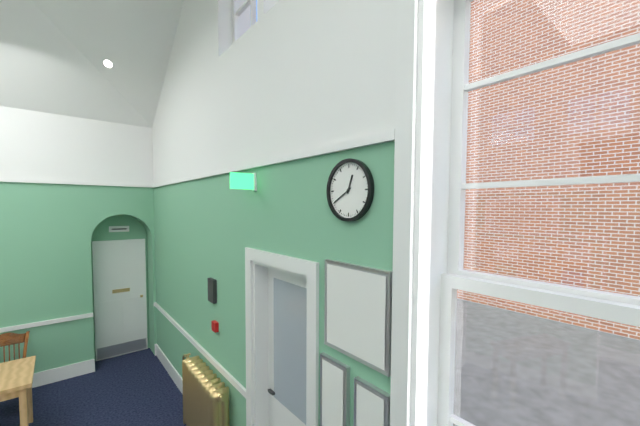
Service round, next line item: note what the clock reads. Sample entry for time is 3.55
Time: 12.40
